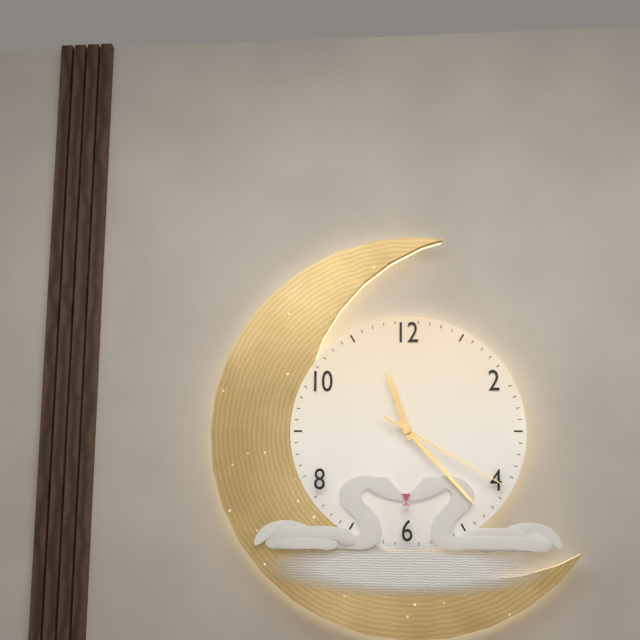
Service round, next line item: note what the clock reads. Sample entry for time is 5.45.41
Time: 11.23.20
